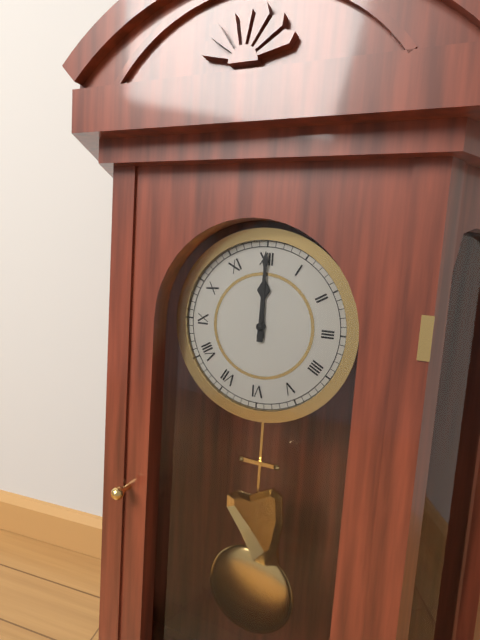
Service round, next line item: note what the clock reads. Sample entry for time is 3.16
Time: 12.00
